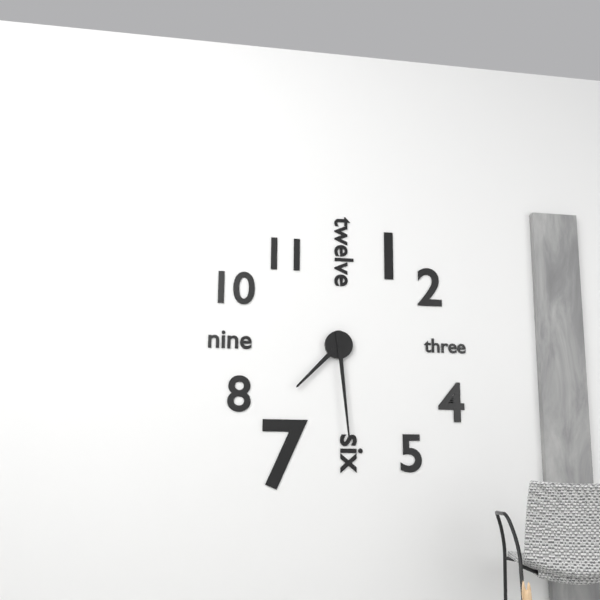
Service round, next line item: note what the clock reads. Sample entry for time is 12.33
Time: 7.29
